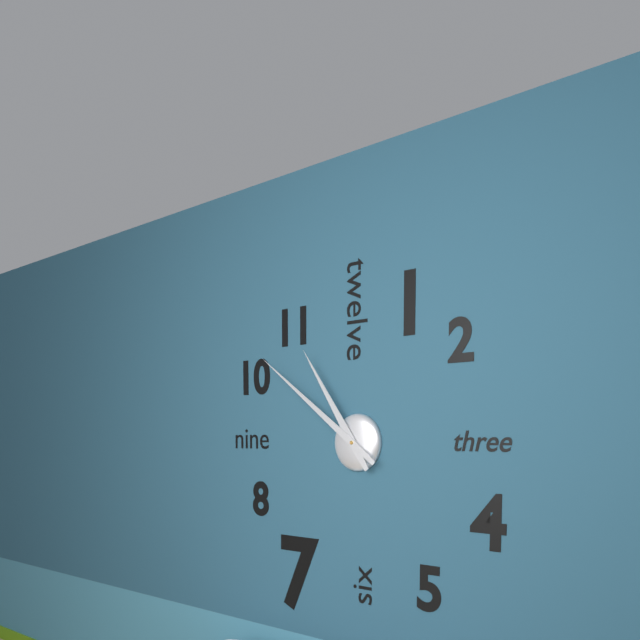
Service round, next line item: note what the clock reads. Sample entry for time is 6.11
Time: 10.51
